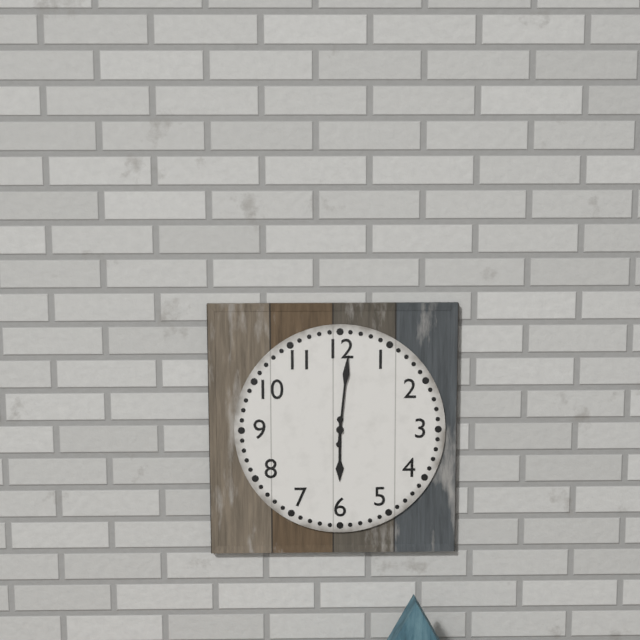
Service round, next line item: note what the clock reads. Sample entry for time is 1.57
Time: 6.01
